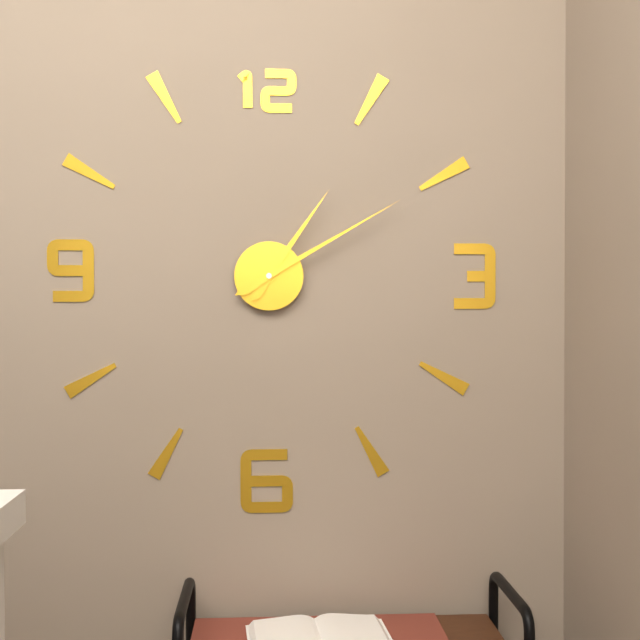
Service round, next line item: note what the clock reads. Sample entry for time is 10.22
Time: 1.10
